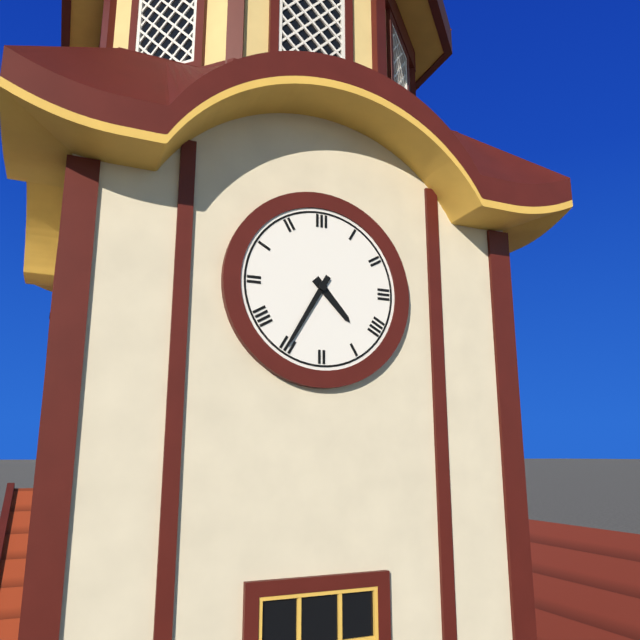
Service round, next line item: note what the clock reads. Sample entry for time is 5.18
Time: 4.35
